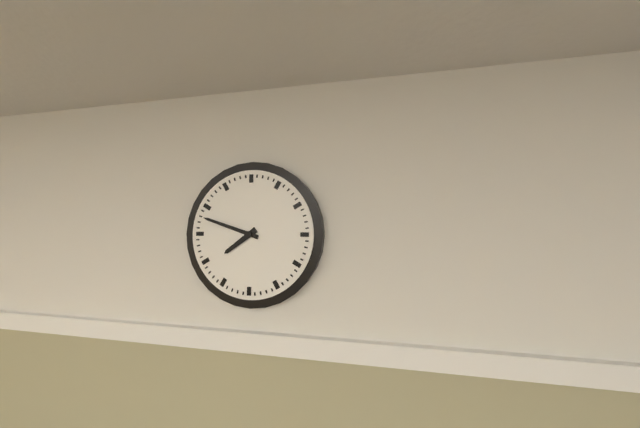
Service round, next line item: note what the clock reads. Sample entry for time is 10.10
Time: 7.48
